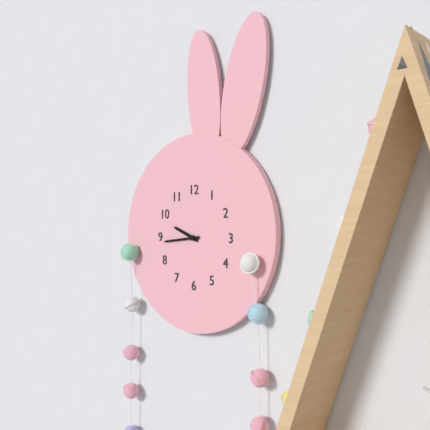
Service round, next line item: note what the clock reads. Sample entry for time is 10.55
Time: 9.44
